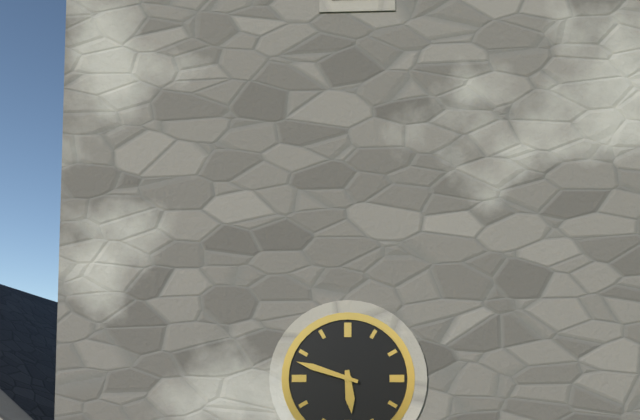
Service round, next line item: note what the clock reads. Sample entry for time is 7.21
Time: 5.48
